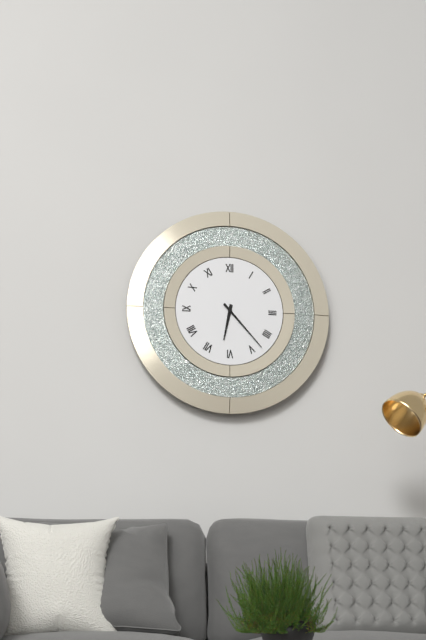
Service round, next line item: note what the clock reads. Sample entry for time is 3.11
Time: 6.23
